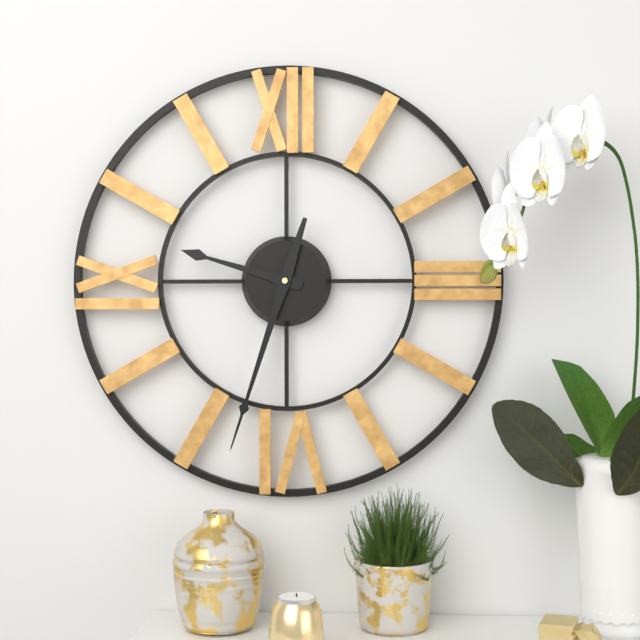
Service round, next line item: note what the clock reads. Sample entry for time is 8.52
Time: 9.33
